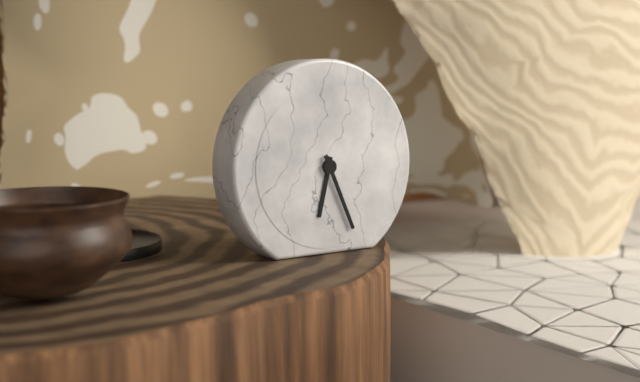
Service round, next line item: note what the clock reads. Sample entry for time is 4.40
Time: 6.26
